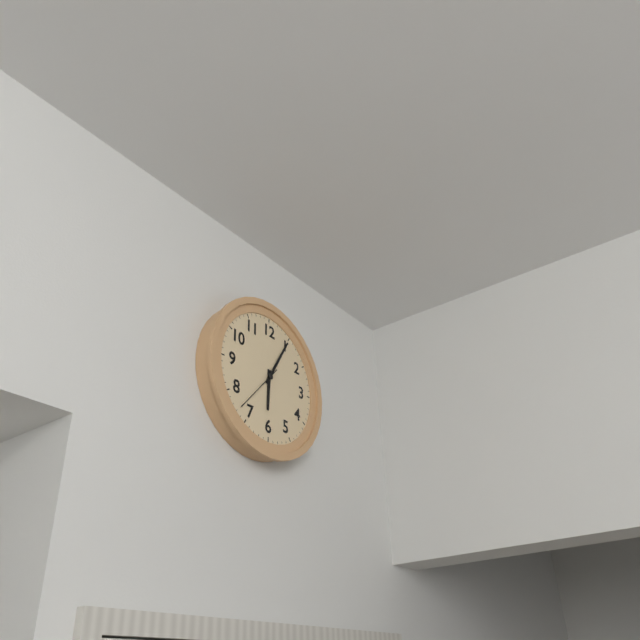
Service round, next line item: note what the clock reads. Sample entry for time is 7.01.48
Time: 6.05.37
